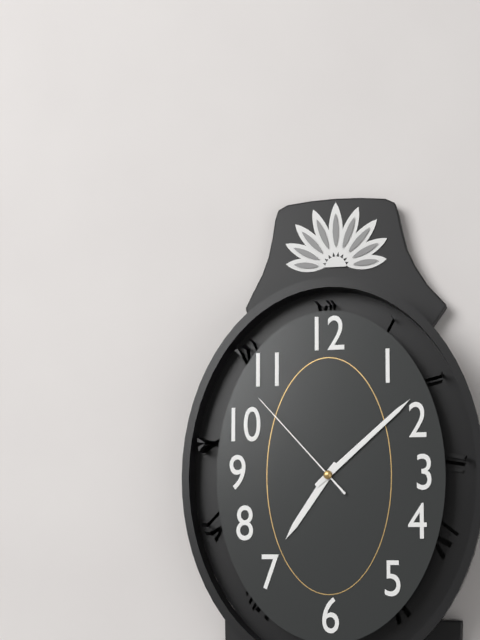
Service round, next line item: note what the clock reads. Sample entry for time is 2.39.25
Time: 7.08.53
